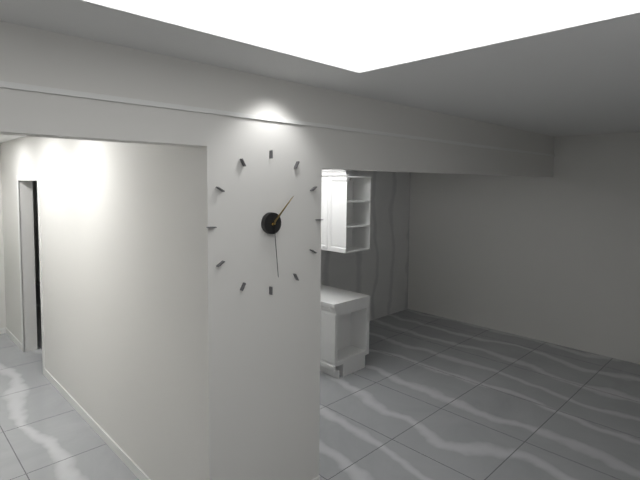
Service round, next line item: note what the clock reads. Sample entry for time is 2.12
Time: 1.29
